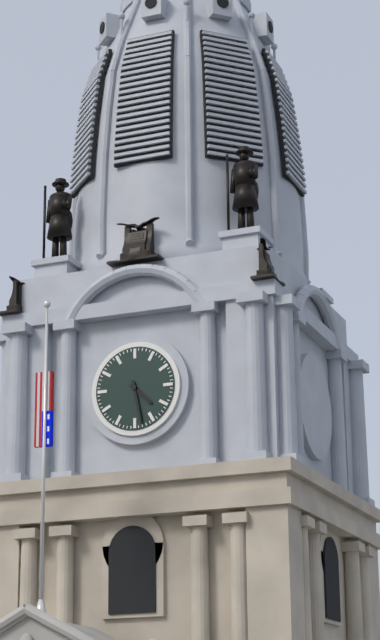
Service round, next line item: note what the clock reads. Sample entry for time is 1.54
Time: 4.28
